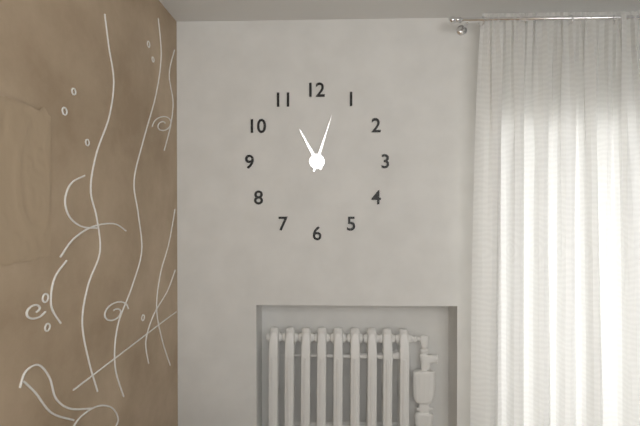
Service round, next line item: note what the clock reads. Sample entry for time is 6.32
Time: 11.03
